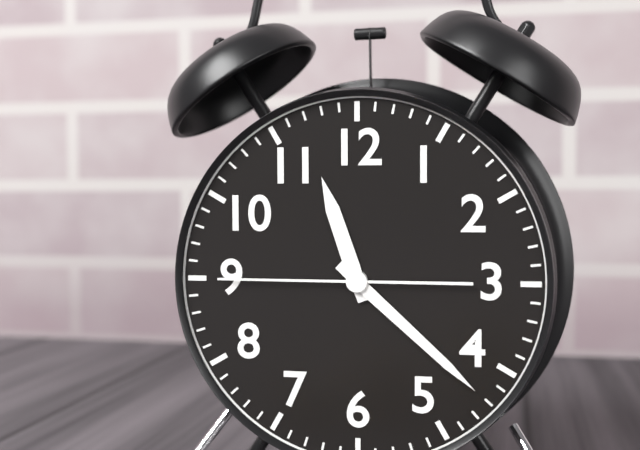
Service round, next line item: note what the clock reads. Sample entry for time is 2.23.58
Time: 11.22.45
